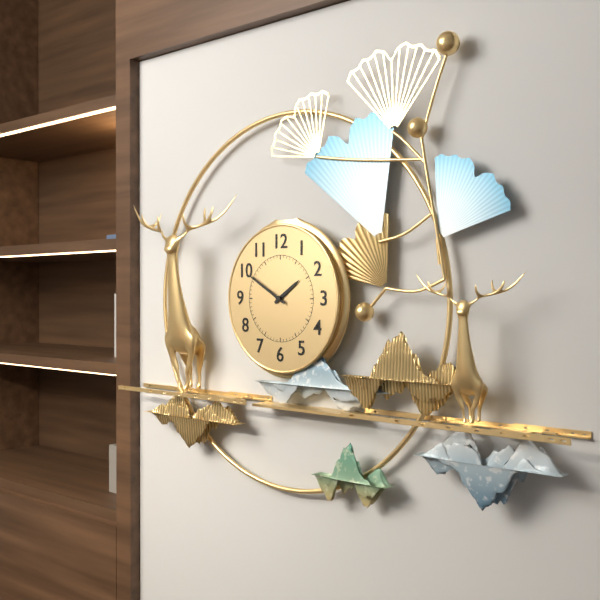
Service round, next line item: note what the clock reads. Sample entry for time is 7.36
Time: 1.50
